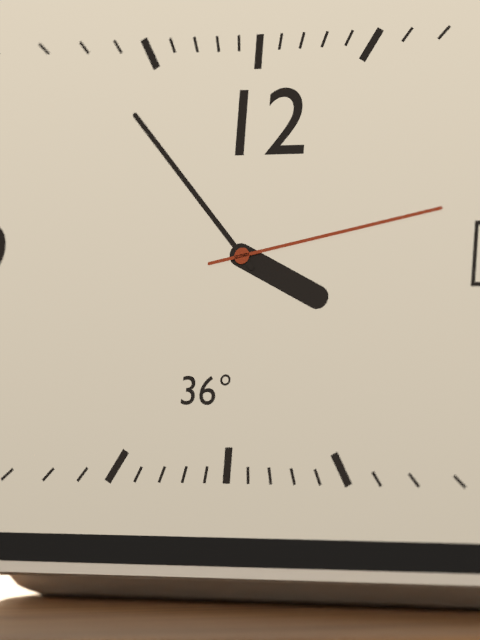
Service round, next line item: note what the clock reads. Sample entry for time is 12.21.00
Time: 3.53.13
